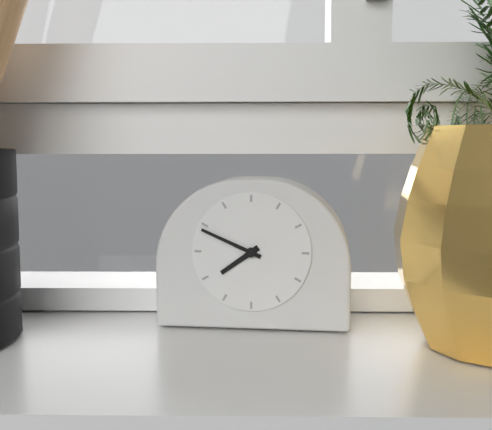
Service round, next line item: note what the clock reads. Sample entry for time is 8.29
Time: 7.49
